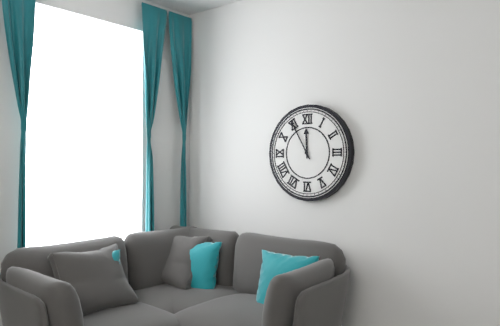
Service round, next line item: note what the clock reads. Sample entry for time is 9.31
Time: 11.55
